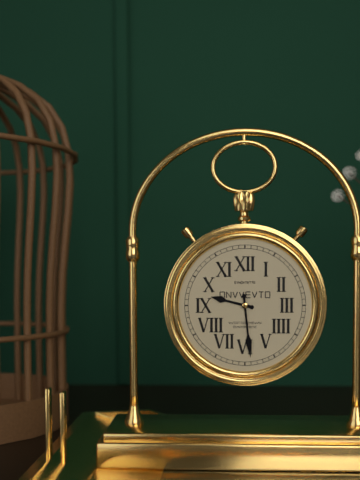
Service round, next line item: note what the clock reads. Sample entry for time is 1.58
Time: 9.29
